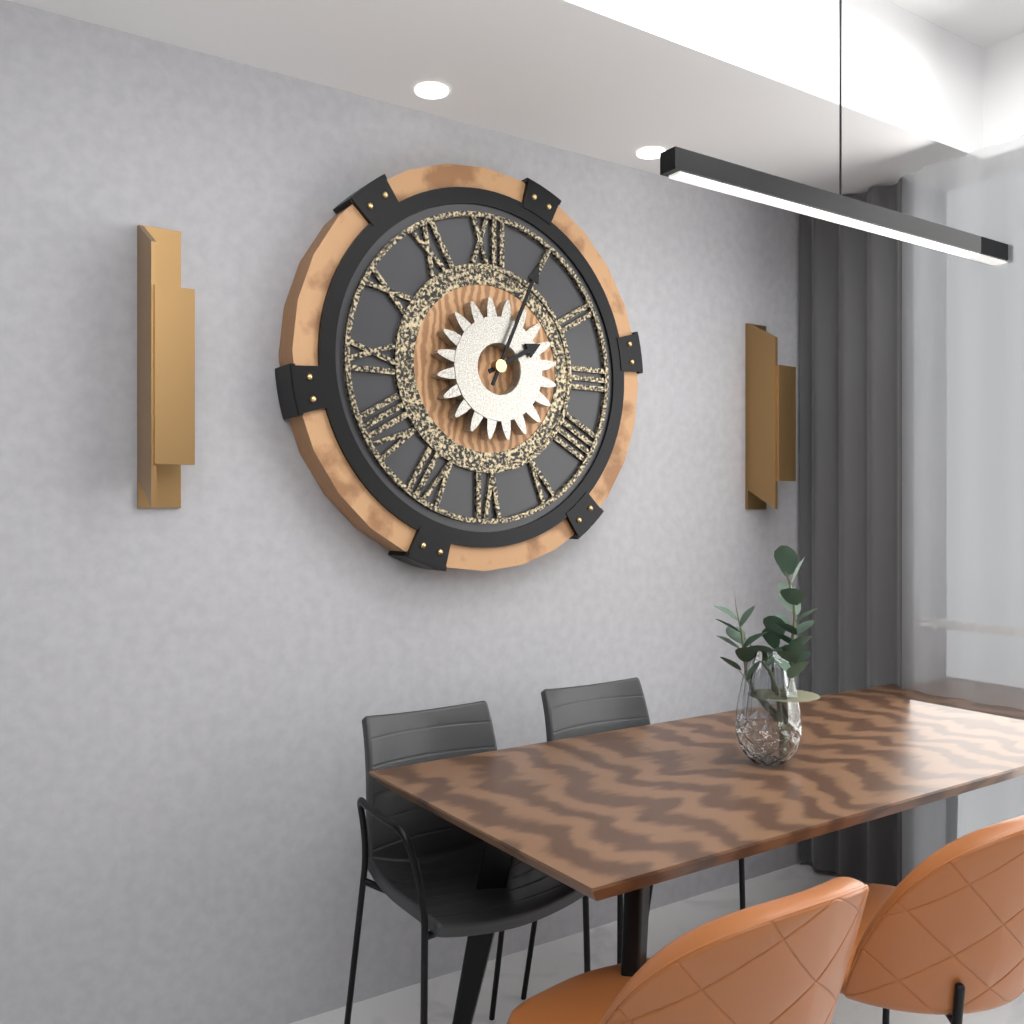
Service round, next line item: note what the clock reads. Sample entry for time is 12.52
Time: 2.04
